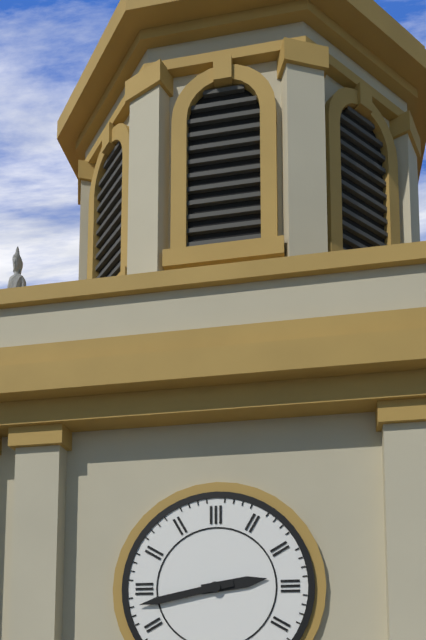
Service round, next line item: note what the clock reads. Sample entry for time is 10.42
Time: 2.43
